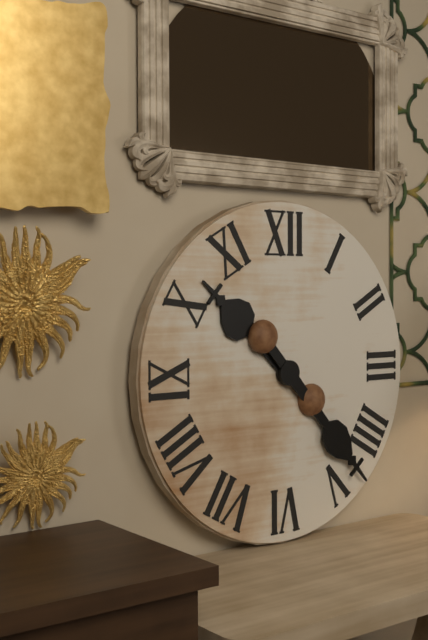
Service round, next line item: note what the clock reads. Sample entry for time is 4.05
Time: 10.23
